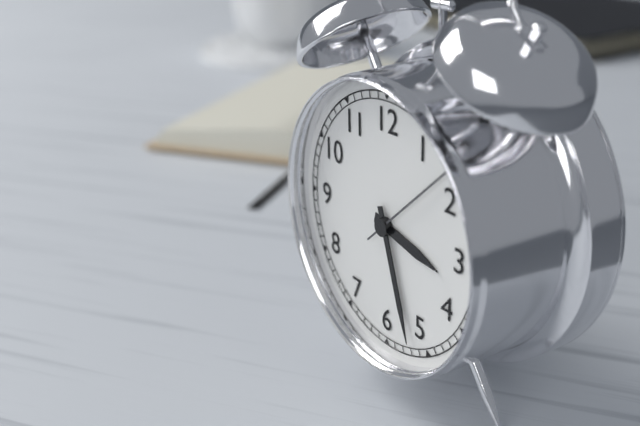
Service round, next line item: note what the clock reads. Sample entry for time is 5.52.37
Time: 3.27.08
